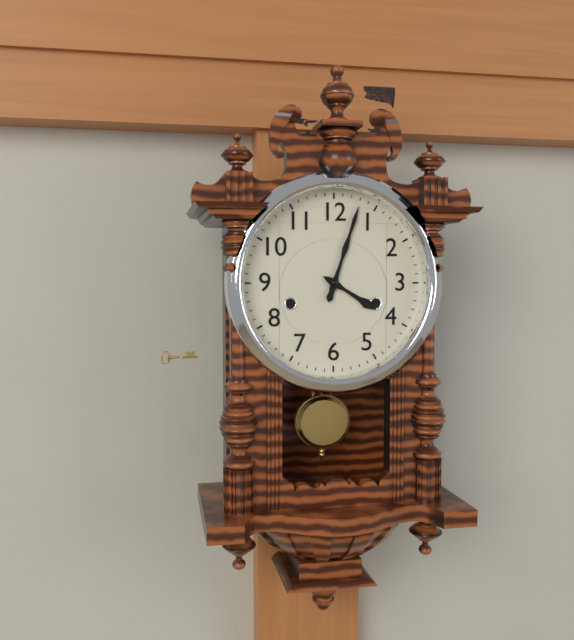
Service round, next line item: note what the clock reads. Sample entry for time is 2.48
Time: 4.03
